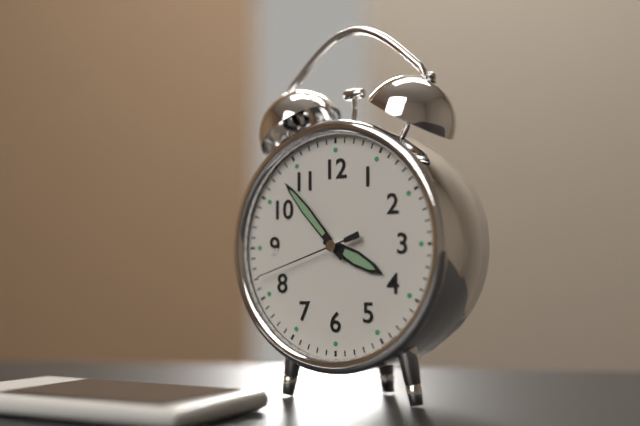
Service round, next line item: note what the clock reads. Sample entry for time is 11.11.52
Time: 3.53.42
